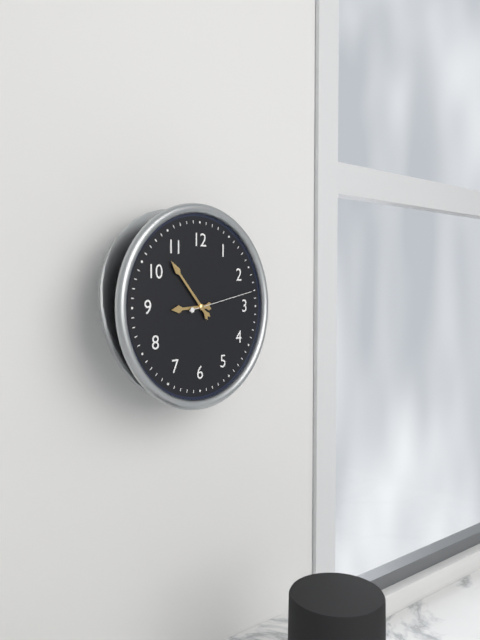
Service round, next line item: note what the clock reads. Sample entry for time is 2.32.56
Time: 8.53.13
